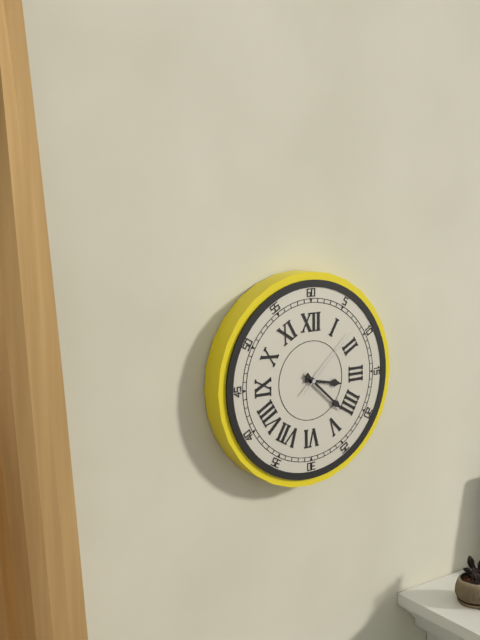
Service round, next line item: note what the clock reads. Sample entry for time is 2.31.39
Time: 3.22.08
